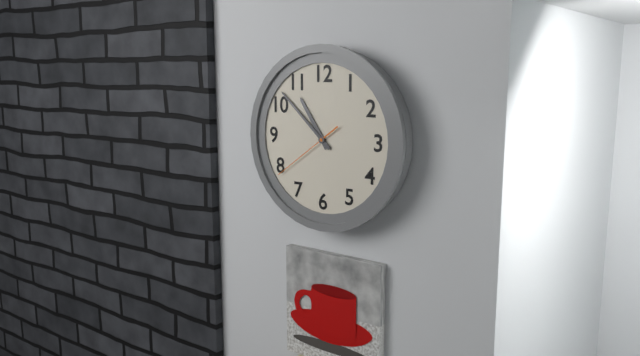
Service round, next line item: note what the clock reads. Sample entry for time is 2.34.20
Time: 10.52.39
